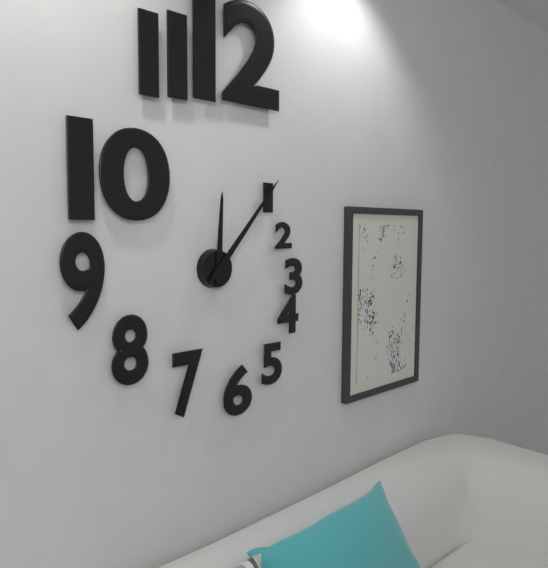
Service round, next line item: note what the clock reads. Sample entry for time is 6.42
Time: 12.07
